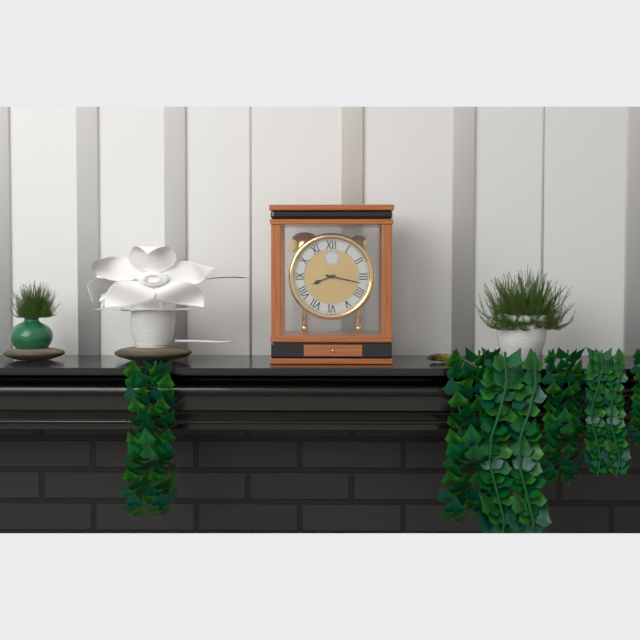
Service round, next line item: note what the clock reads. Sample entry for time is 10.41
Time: 8.17
